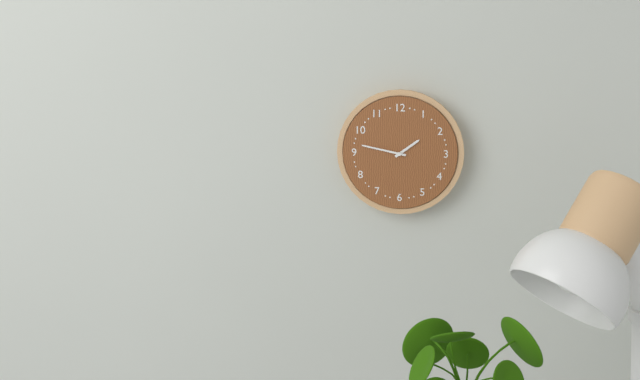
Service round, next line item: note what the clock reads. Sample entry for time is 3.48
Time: 1.47
